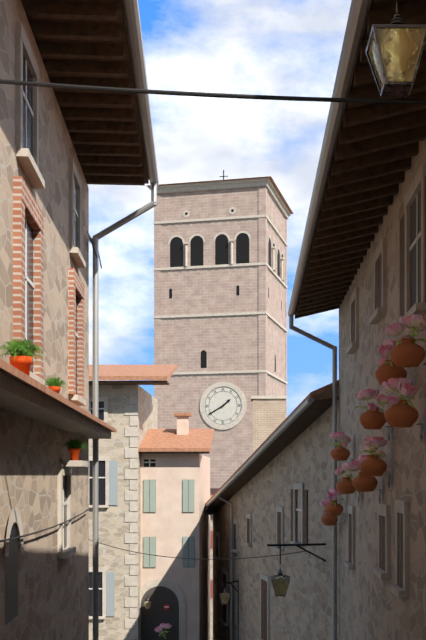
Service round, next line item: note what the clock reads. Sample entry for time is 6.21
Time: 1.40
